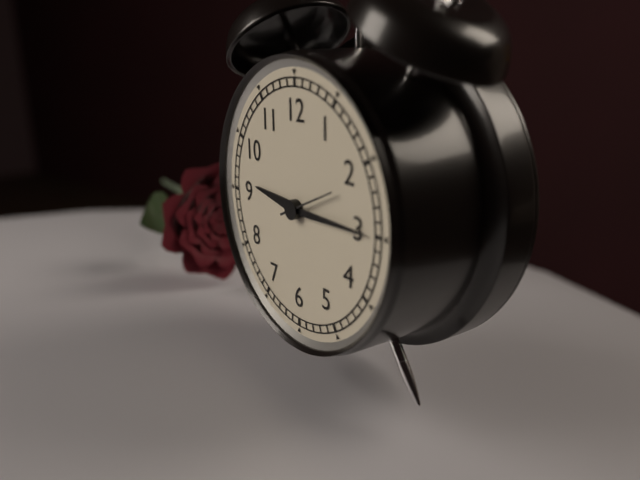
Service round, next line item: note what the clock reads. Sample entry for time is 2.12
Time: 9.15
